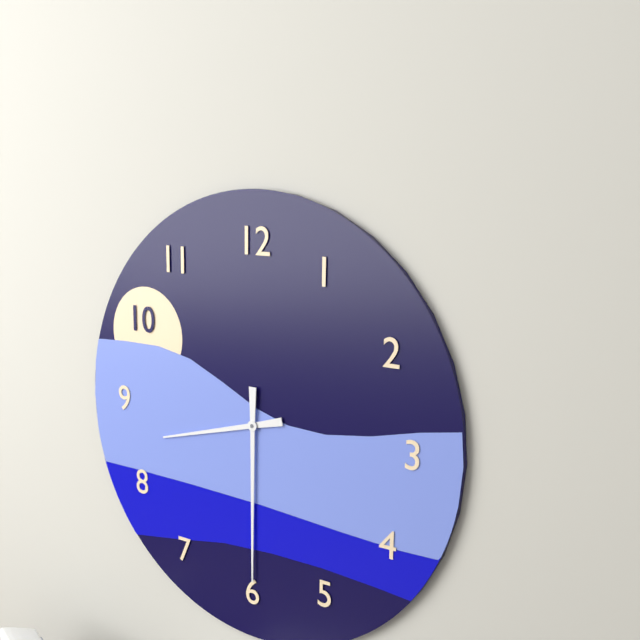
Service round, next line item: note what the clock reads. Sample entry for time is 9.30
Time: 8.30
